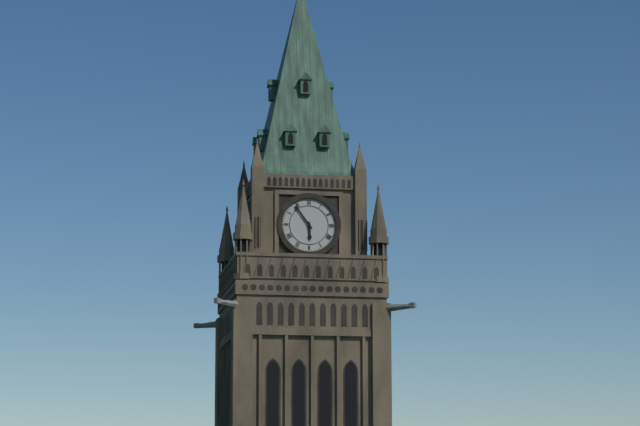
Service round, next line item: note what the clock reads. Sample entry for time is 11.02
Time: 5.54
